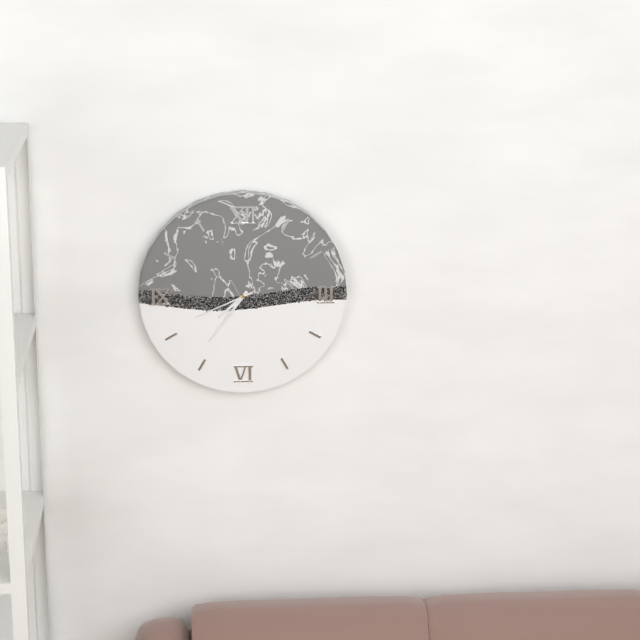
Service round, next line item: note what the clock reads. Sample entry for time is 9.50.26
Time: 7.36.41
